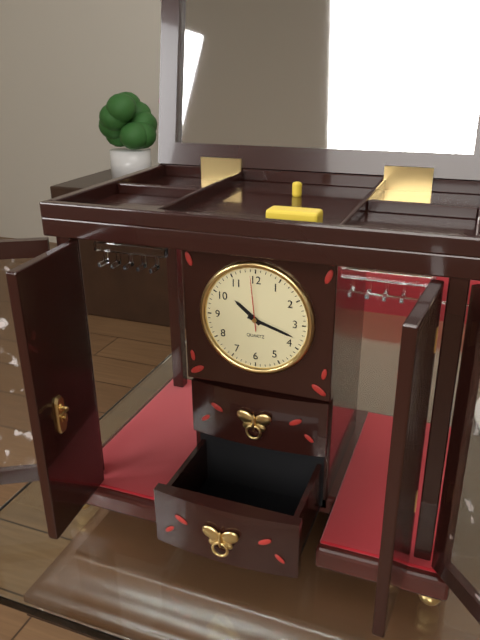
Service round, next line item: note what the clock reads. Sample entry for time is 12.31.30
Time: 10.18.59
